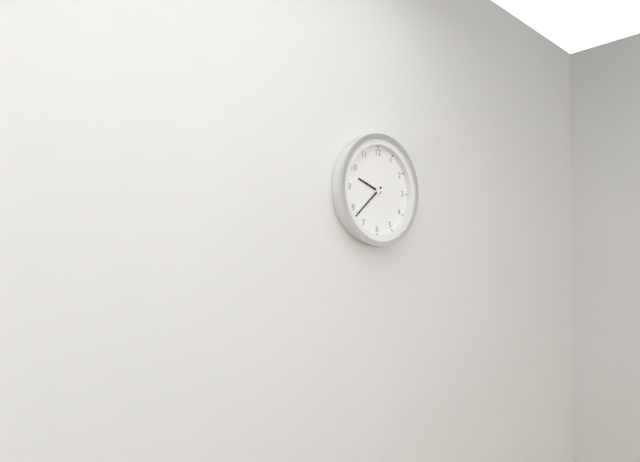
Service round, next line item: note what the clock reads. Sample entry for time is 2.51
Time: 9.38
